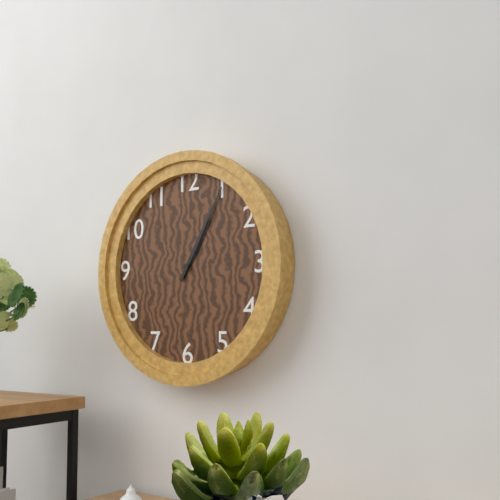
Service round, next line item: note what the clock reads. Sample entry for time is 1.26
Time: 1.05
